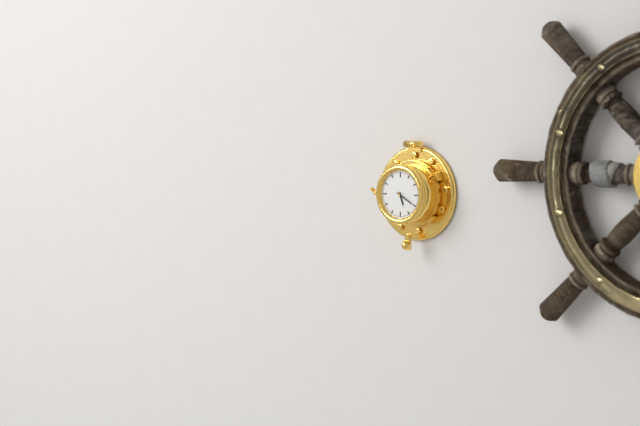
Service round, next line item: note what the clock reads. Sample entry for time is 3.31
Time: 5.20
